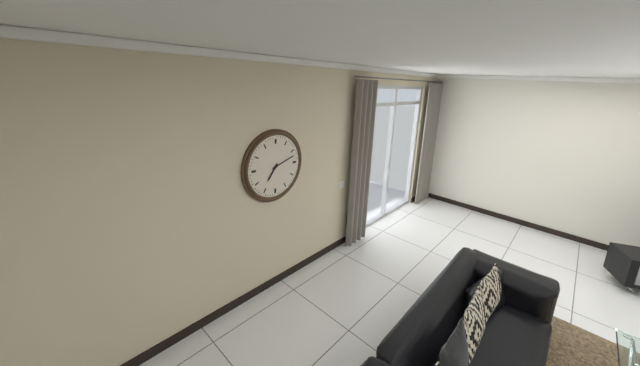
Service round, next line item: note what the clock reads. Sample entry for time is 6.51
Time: 7.12
